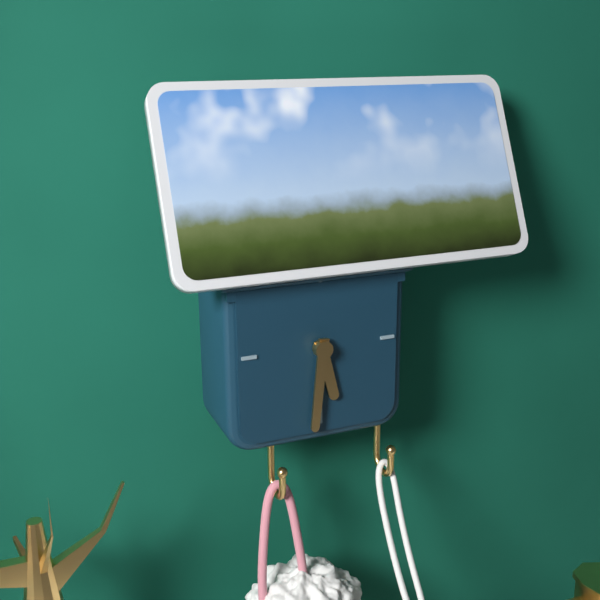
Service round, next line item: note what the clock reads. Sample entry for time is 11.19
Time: 5.31
